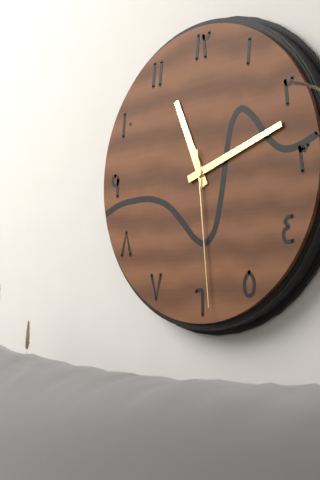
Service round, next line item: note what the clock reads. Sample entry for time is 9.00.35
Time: 11.12.29
